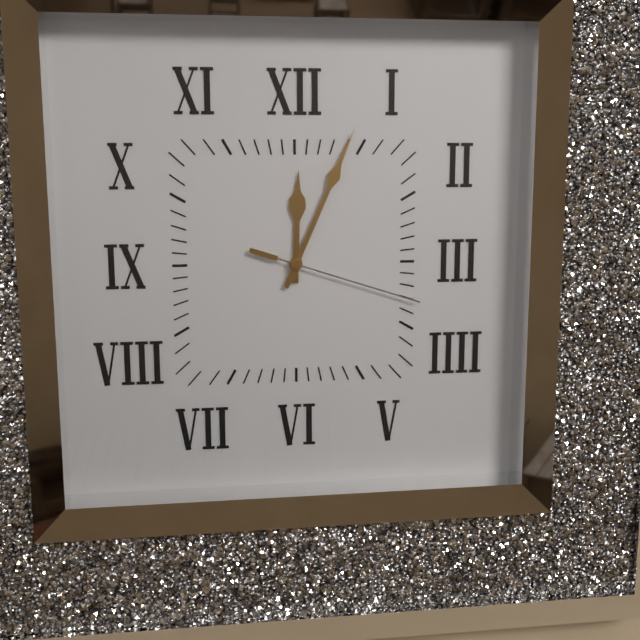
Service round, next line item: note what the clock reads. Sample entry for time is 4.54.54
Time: 12.04.18
